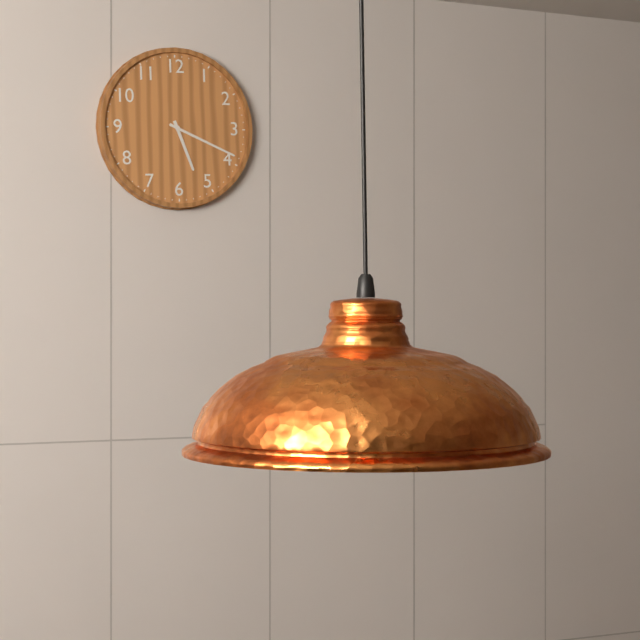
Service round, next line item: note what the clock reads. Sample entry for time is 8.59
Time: 5.19
